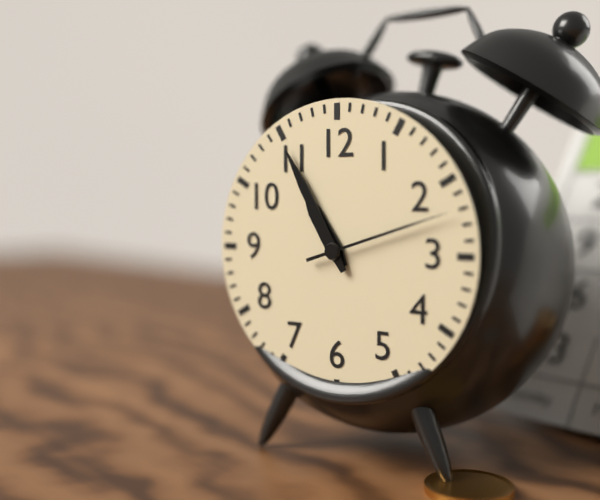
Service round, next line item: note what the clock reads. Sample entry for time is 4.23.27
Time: 10.55.12
